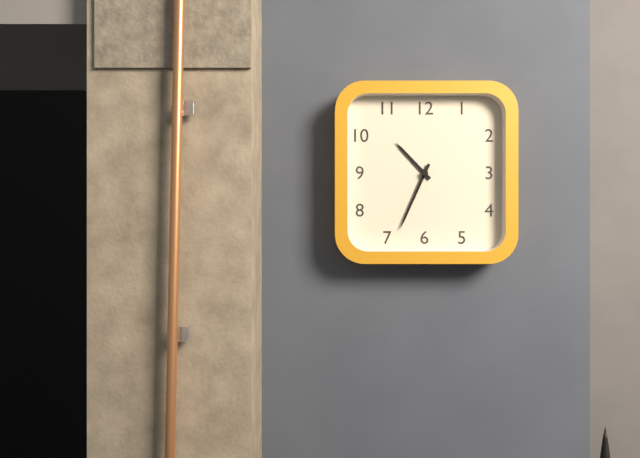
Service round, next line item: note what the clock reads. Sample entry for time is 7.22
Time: 10.34
